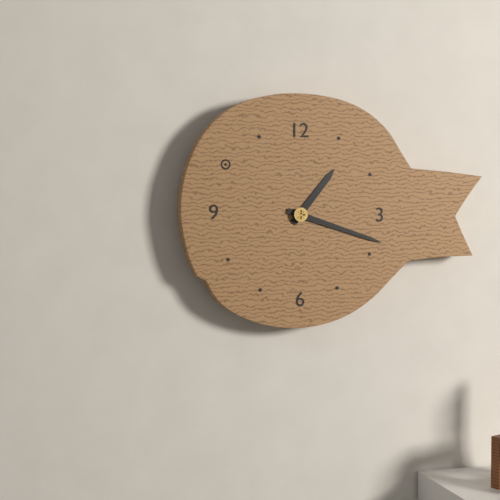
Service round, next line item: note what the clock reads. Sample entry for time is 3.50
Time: 1.18
